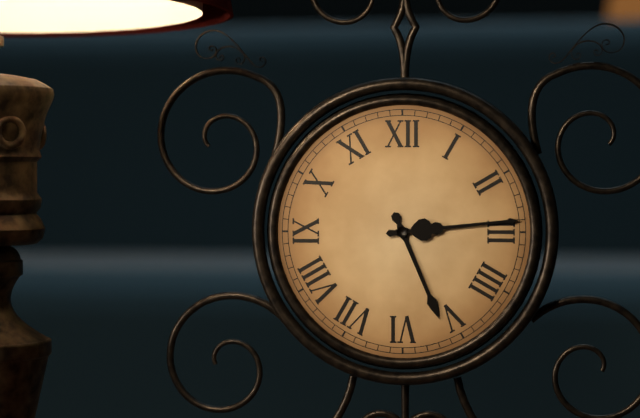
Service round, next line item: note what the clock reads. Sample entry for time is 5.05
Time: 5.14
